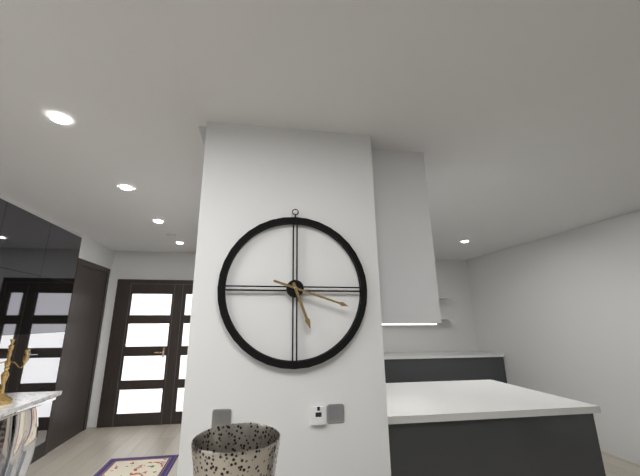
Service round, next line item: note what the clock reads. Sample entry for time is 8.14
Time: 5.18
